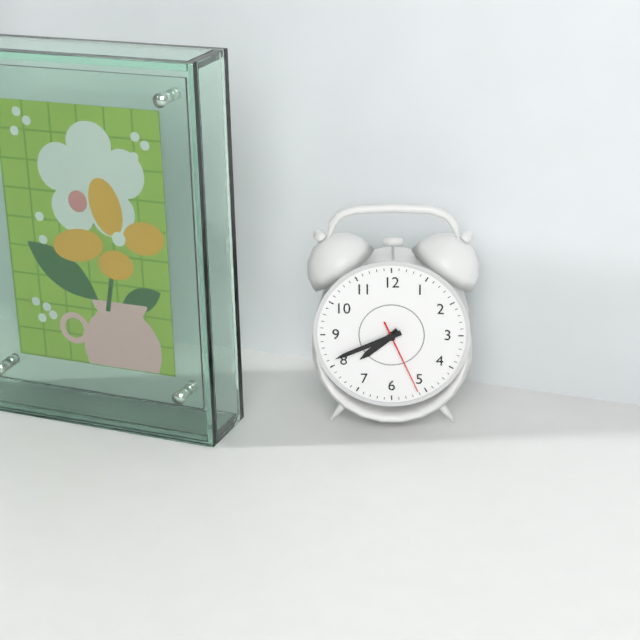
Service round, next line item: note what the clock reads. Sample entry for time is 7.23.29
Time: 7.41.26
